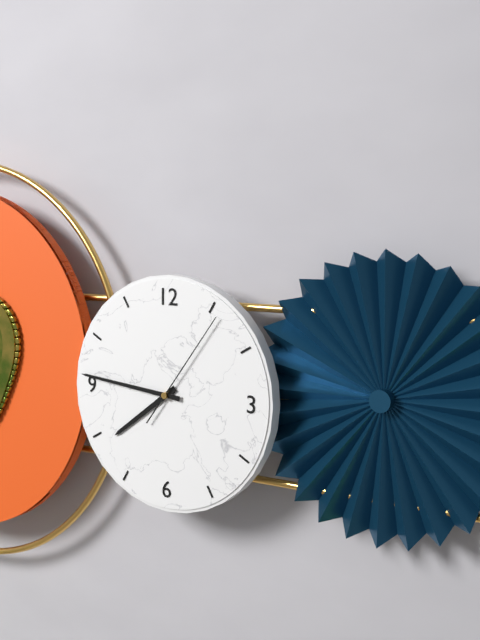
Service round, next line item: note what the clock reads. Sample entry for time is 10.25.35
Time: 7.46.06
